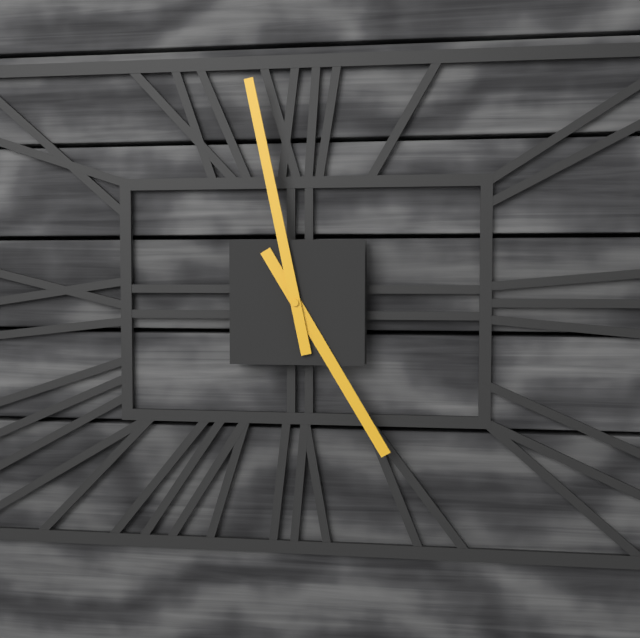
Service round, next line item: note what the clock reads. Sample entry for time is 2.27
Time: 4.58
